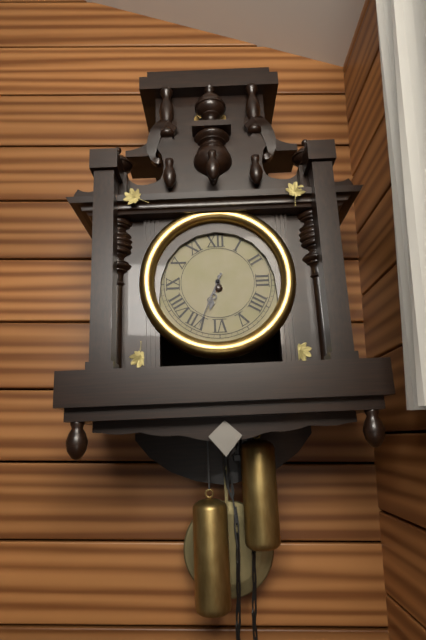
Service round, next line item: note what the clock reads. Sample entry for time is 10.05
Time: 6.34
